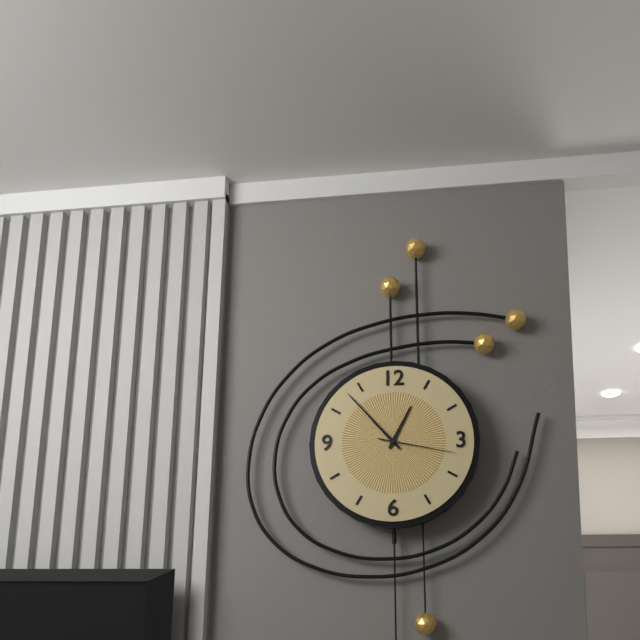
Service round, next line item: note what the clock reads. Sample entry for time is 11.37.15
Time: 12.53.17
